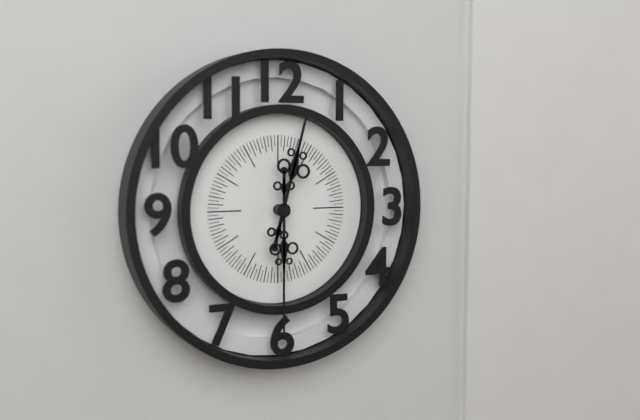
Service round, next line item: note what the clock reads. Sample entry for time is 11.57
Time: 12.30
